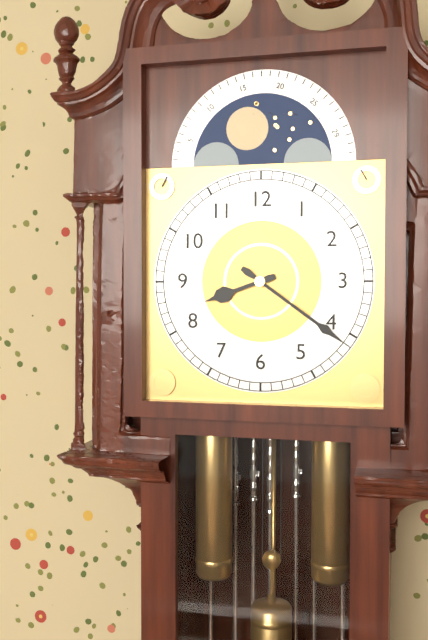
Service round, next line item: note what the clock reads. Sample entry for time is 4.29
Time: 8.21
